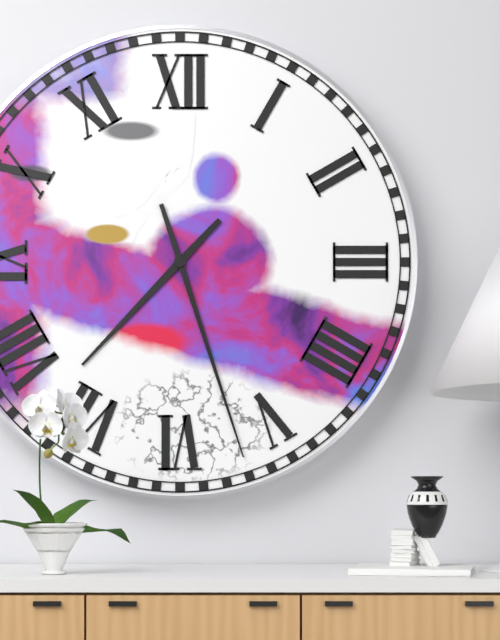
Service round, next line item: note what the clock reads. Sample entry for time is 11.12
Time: 7.27
